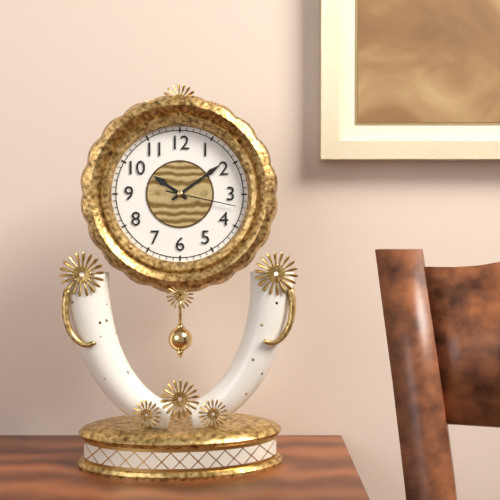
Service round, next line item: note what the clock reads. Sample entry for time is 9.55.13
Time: 10.09.17
